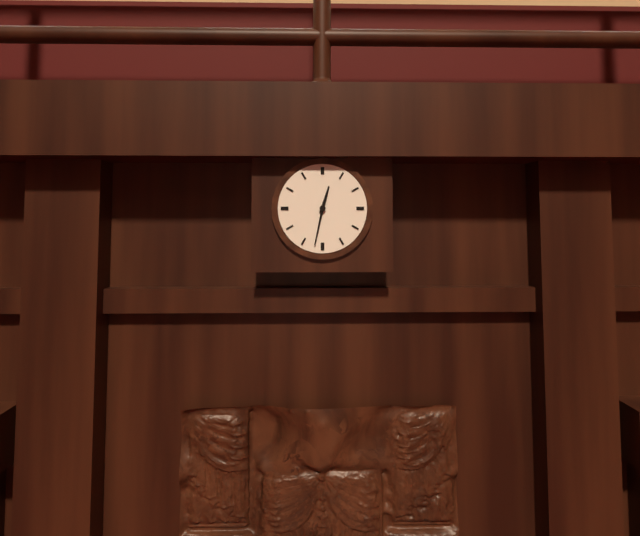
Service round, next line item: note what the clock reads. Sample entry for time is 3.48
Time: 12.32
